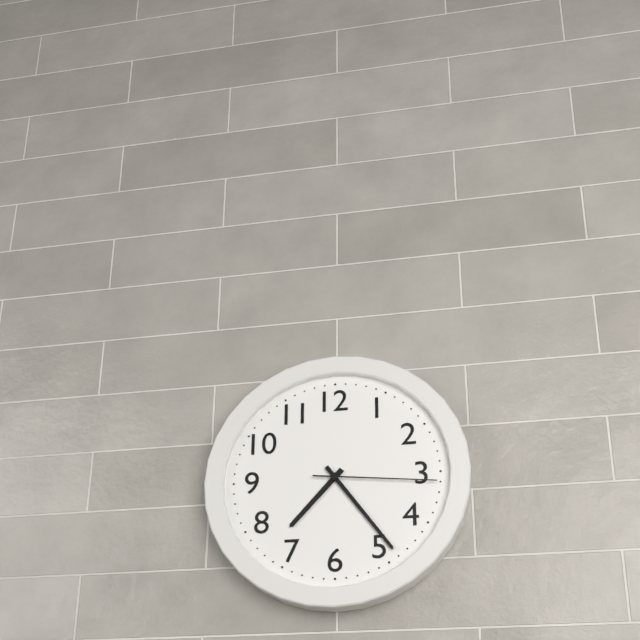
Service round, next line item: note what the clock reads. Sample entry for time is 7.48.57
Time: 7.24.16
